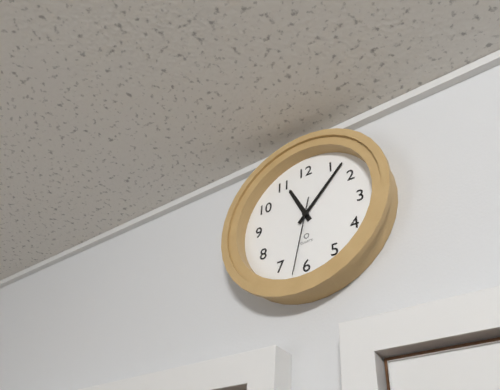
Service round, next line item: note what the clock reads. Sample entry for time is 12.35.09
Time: 11.07.32
